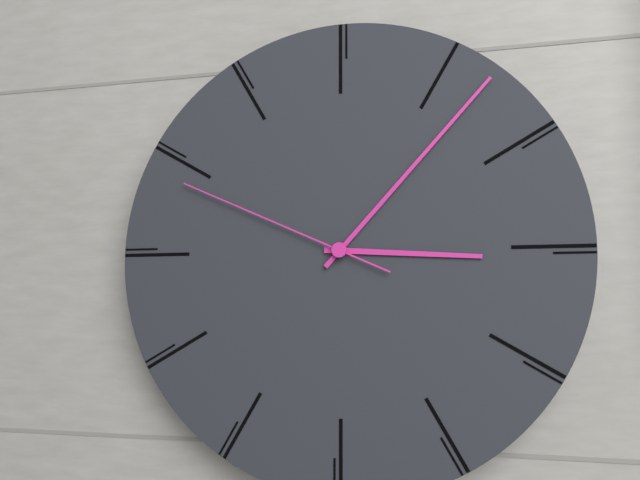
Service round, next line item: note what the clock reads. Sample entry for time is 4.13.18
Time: 3.07.49
